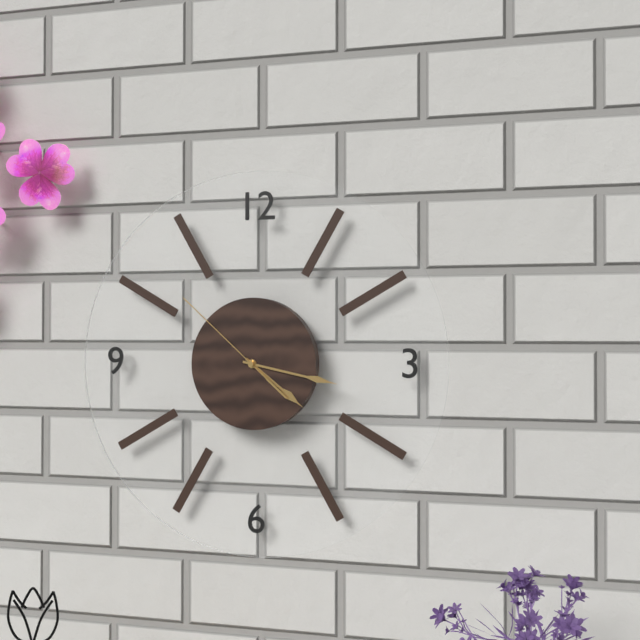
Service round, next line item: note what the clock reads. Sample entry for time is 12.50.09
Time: 4.17.52
